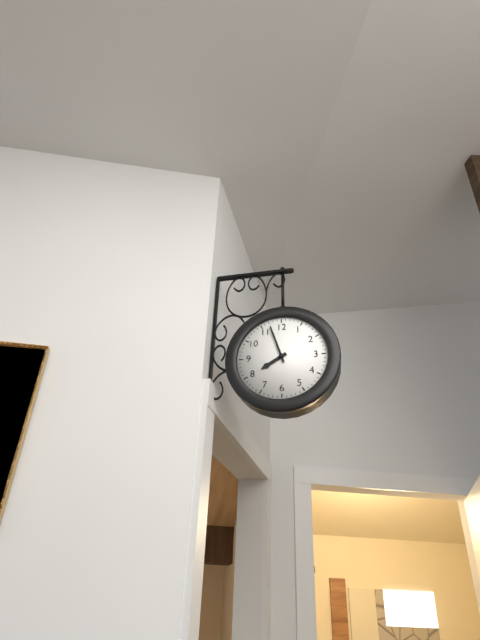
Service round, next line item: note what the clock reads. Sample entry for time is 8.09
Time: 7.57
